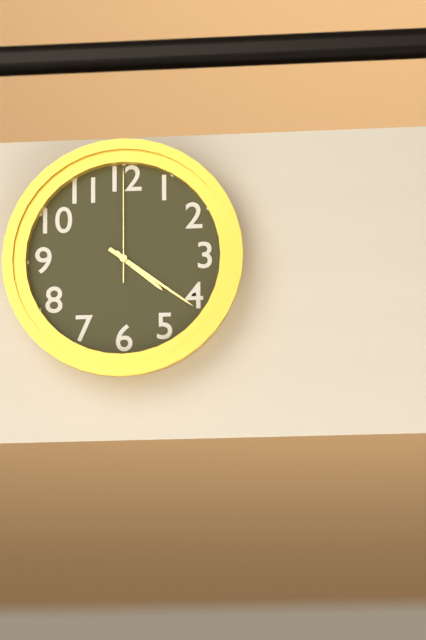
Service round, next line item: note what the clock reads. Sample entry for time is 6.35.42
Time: 4.21.00
